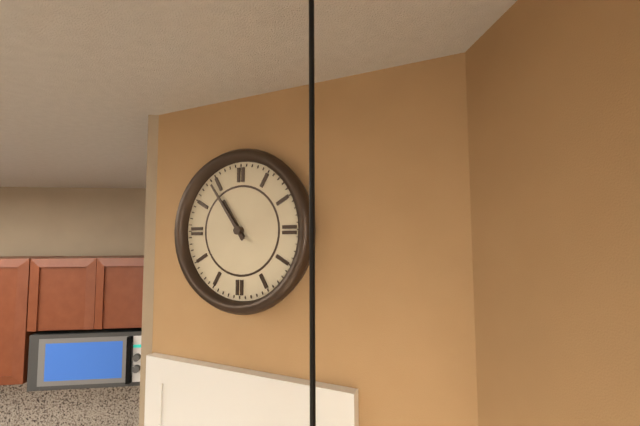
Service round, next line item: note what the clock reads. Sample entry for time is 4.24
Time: 10.54
